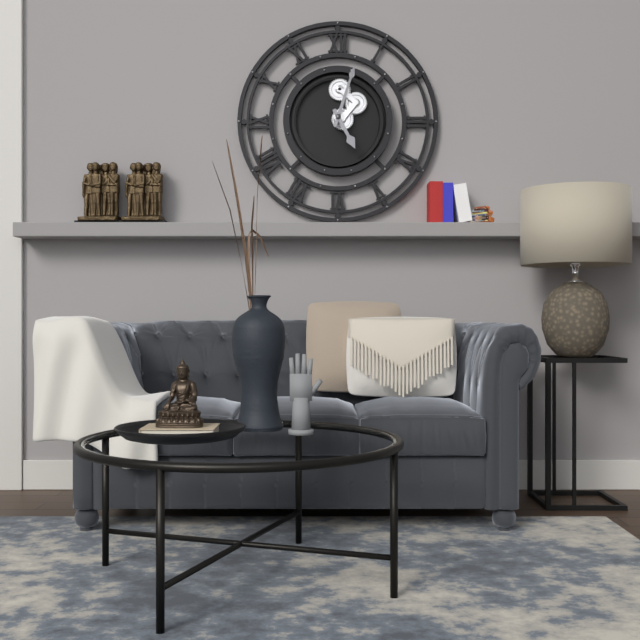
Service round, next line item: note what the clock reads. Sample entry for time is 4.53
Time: 5.03
